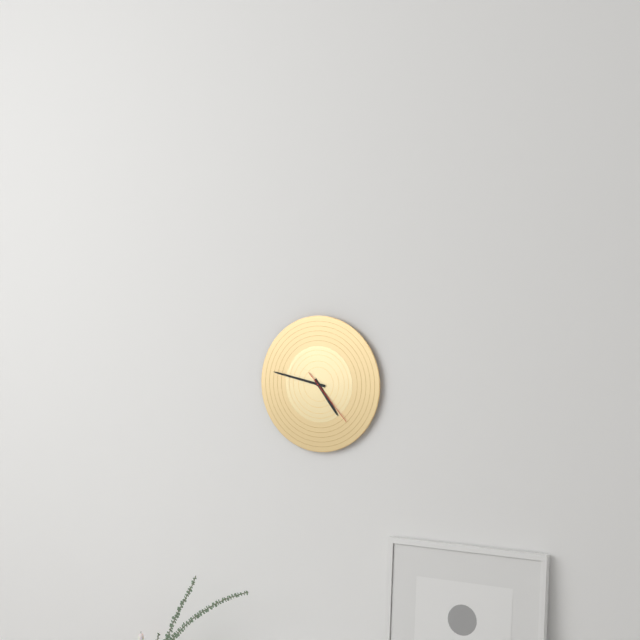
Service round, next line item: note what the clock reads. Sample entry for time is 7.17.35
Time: 4.47.23
